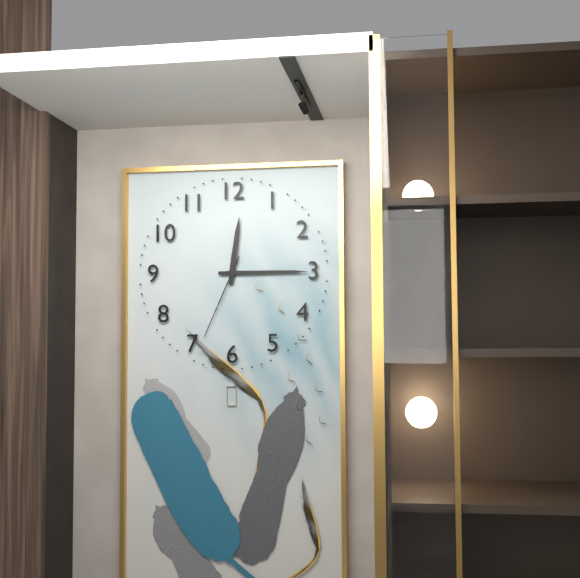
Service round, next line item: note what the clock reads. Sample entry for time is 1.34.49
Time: 12.15.34
